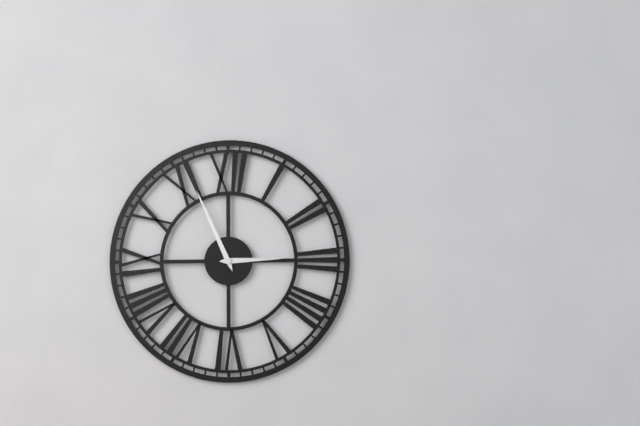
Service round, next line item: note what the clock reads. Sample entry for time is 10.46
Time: 2.56
